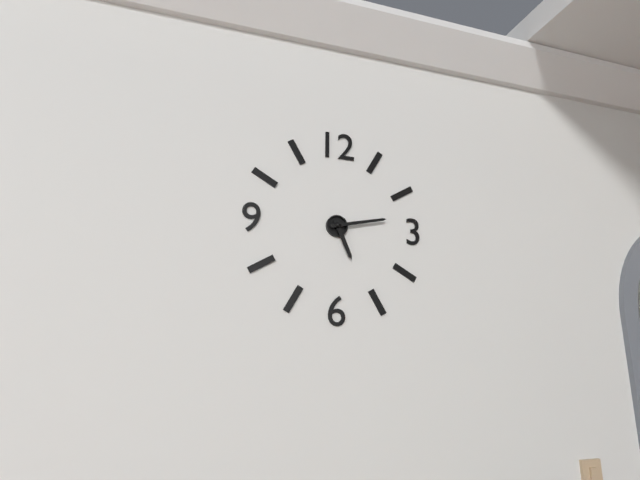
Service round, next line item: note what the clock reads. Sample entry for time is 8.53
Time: 5.13
